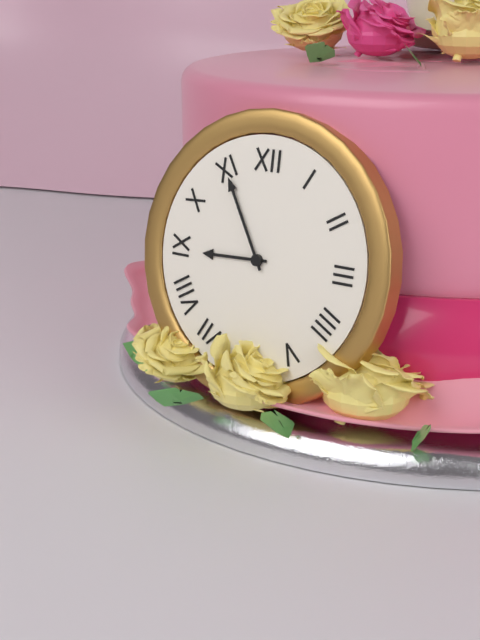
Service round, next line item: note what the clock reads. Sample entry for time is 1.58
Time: 8.55
